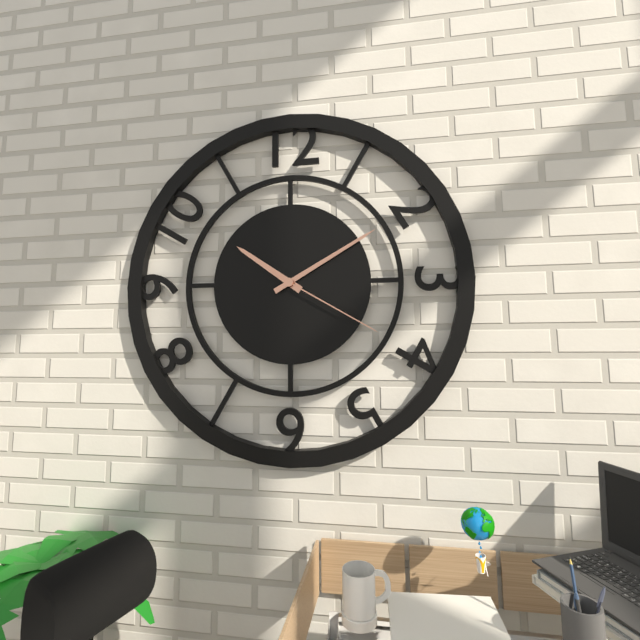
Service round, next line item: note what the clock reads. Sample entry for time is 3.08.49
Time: 10.10.20
